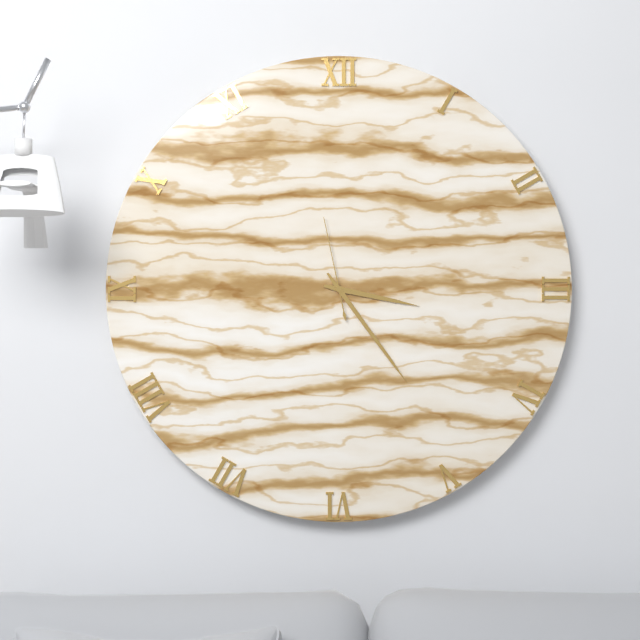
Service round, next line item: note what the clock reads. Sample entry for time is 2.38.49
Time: 3.24.58
